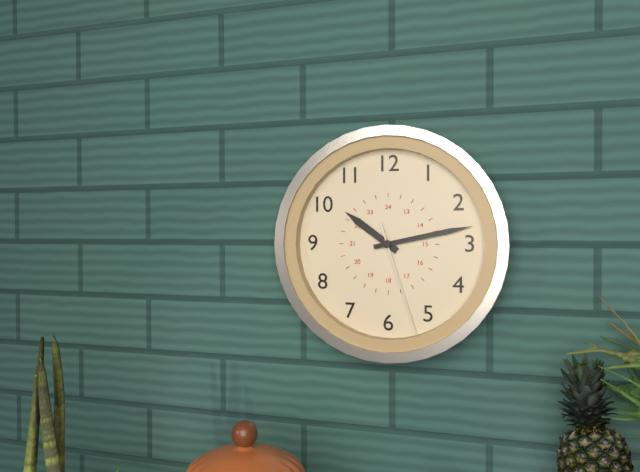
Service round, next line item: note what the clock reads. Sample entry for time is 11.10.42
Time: 10.13.27
